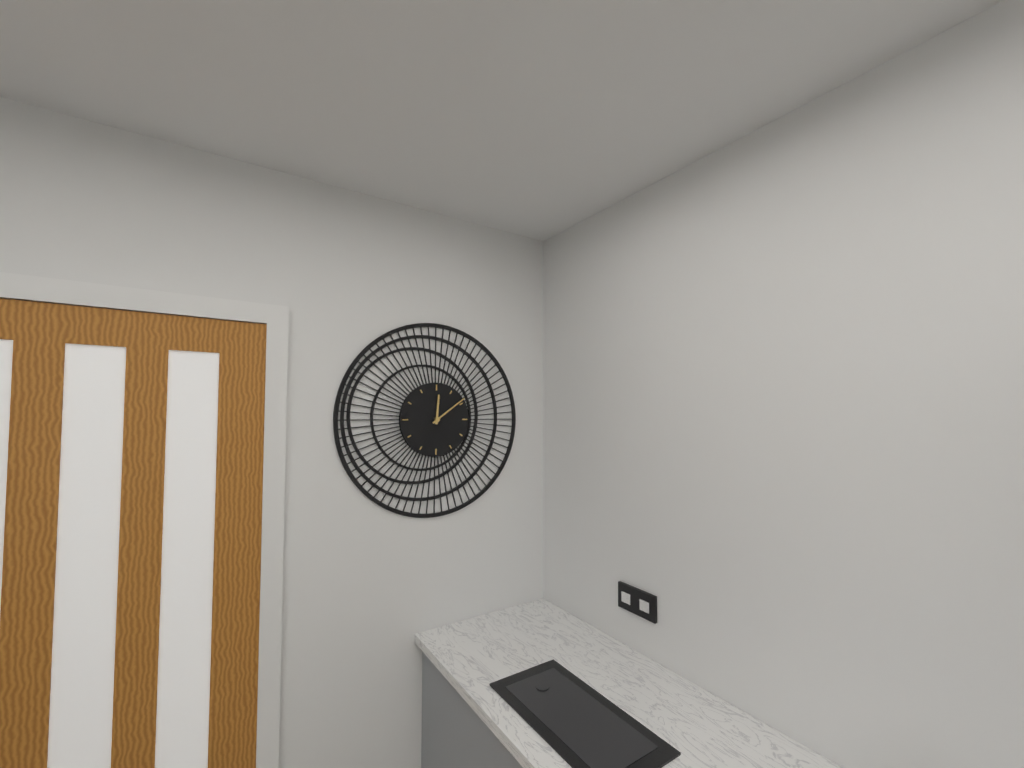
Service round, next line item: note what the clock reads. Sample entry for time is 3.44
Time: 12.09
